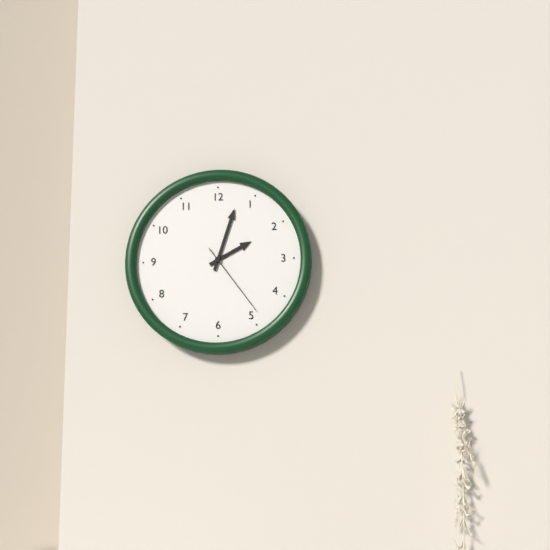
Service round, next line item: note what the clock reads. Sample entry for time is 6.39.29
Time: 2.03.24
